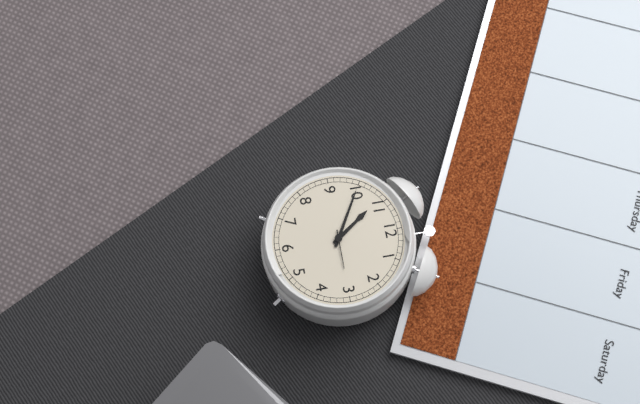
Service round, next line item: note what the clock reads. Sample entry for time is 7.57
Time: 10.50
